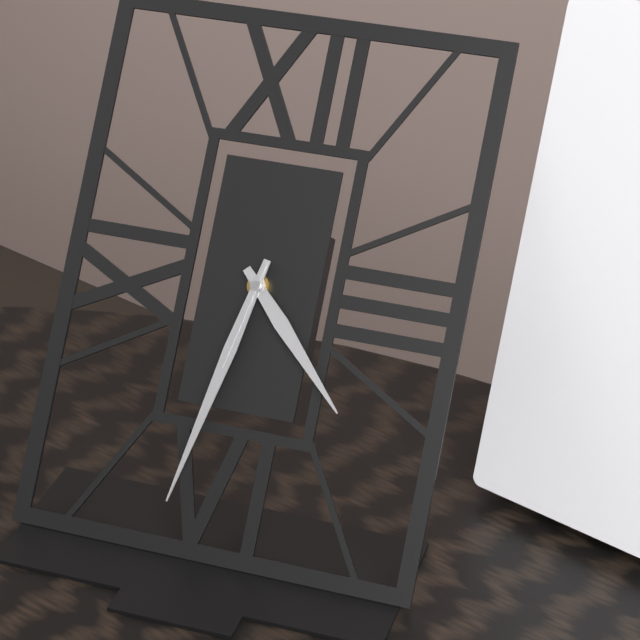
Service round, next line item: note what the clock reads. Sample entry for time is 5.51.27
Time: 4.32.32
